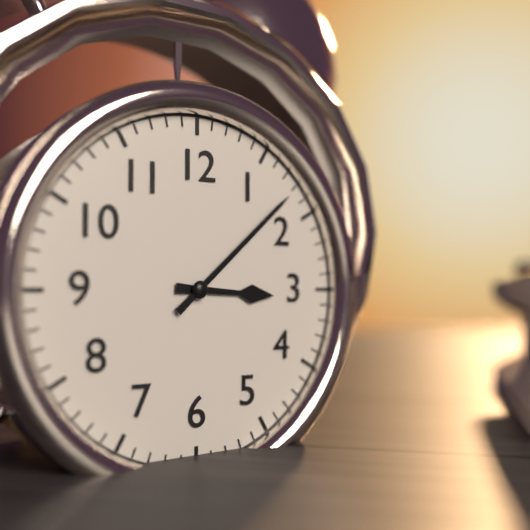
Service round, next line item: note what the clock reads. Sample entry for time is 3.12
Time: 3.08
